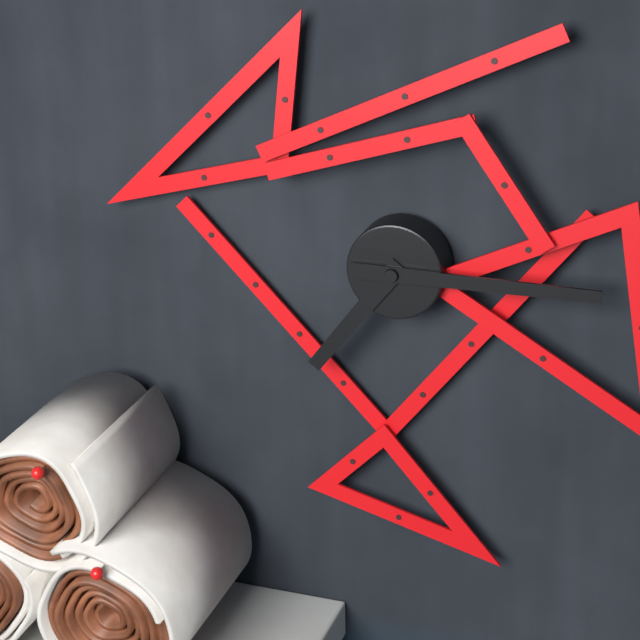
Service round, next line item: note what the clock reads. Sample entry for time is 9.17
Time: 7.15
